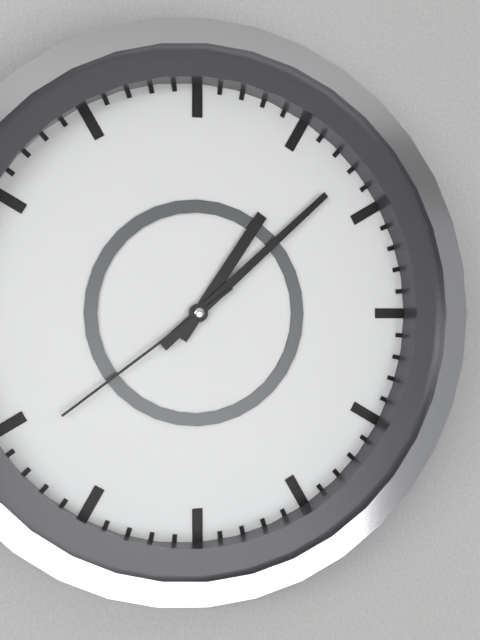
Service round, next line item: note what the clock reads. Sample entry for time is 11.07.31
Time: 1.08.39
